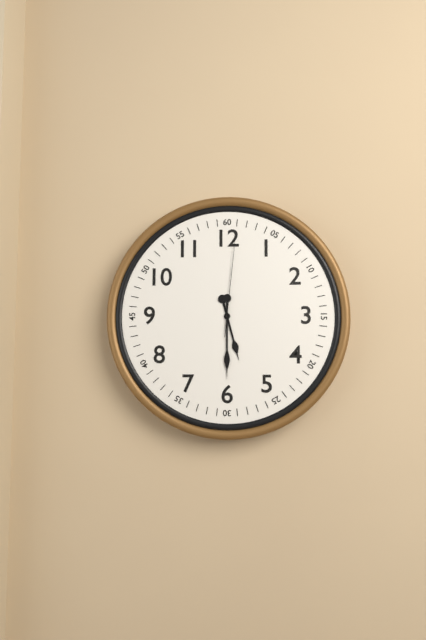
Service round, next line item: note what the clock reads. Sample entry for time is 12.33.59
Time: 5.30.01
